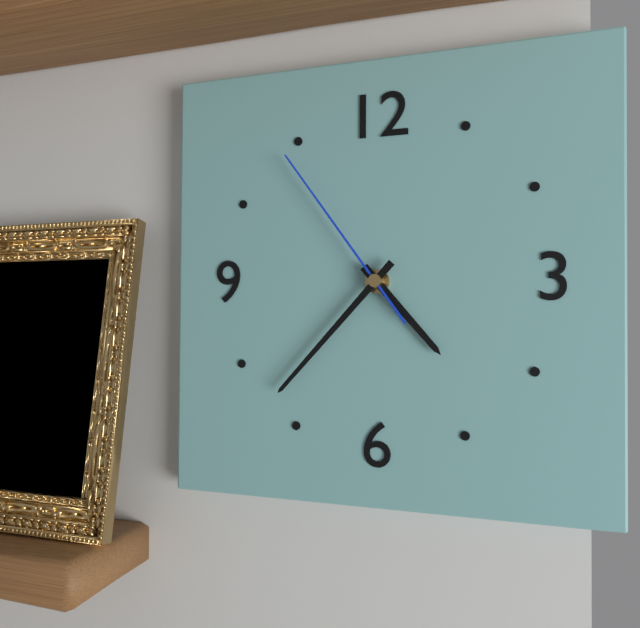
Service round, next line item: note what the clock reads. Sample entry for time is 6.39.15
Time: 4.37.54
